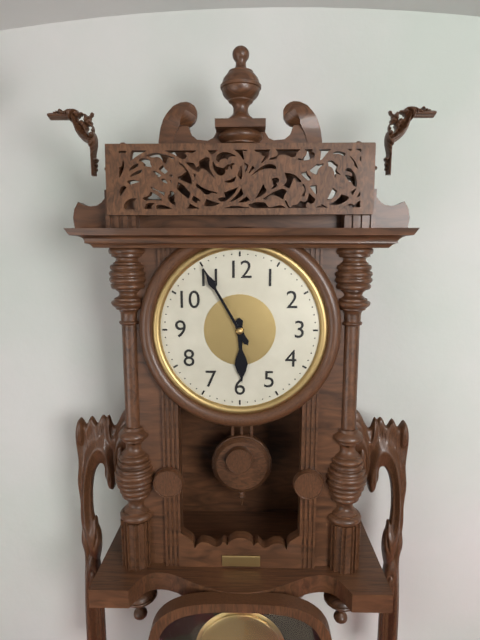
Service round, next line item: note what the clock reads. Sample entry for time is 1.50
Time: 5.55
